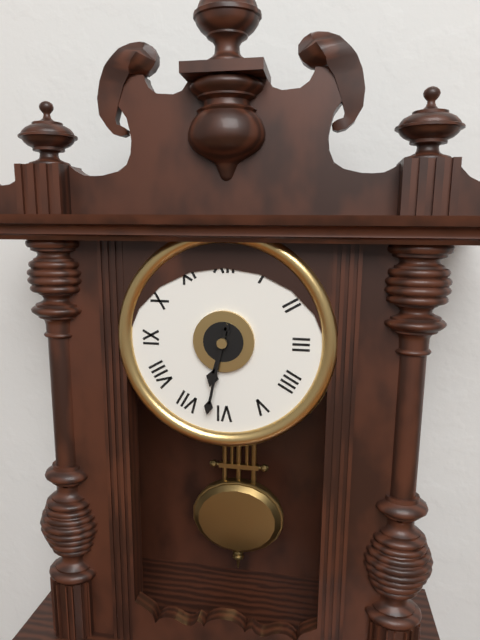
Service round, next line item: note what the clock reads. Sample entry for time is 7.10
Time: 6.32
